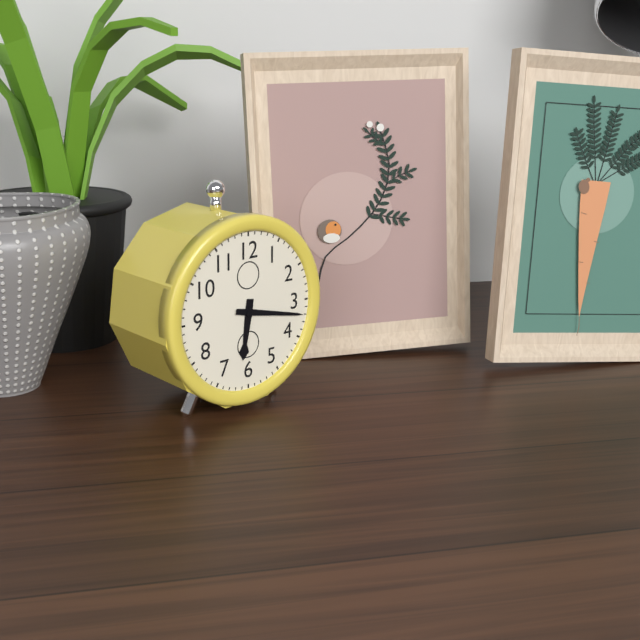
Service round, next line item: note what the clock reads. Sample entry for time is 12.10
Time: 6.17
